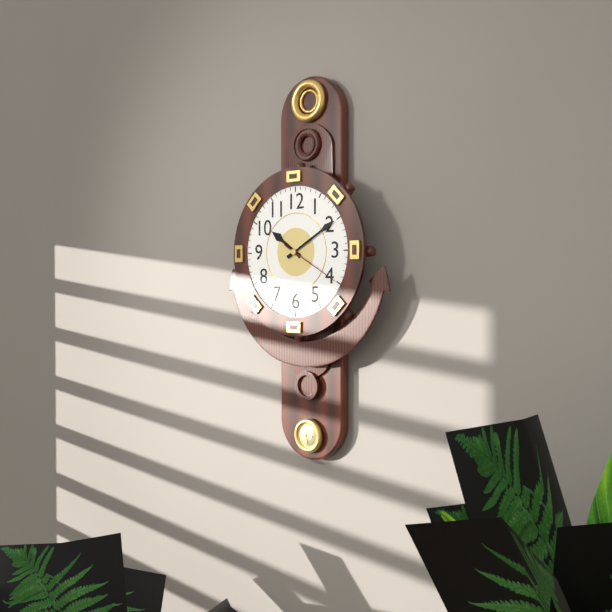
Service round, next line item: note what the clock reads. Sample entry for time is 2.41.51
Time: 10.10.20
